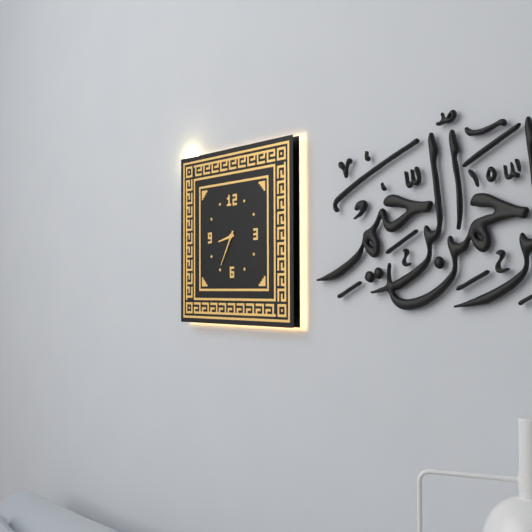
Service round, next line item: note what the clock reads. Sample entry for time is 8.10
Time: 8.35
